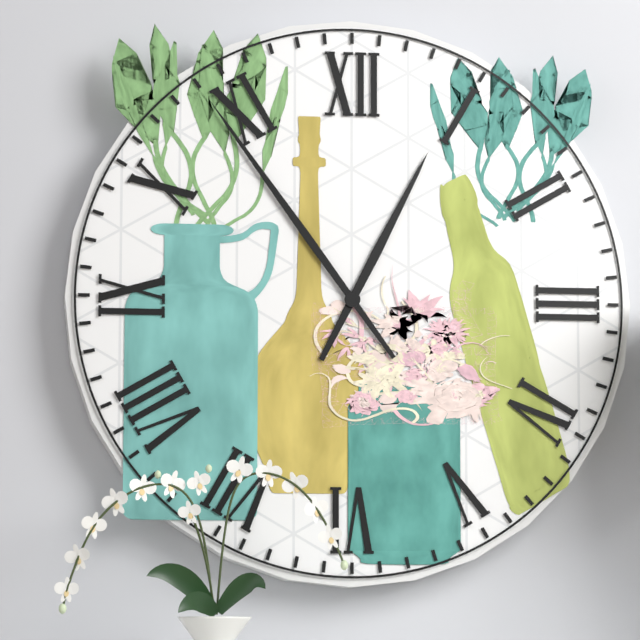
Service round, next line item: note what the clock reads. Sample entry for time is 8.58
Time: 12.54
